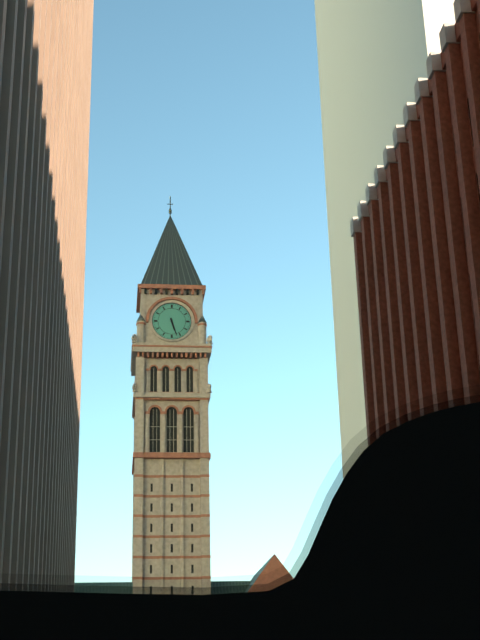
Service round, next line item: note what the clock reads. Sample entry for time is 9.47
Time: 5.27
